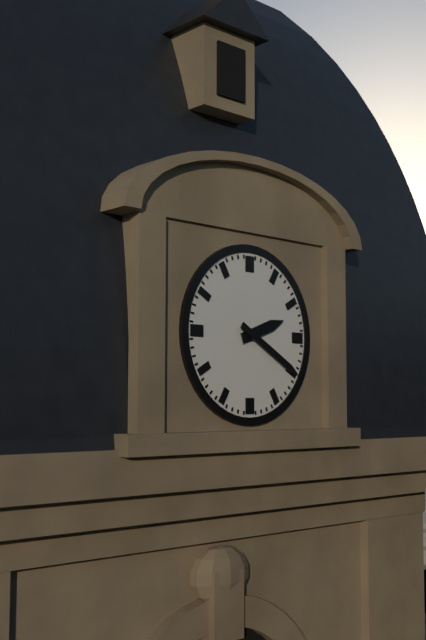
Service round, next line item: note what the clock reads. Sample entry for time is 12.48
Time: 2.20
